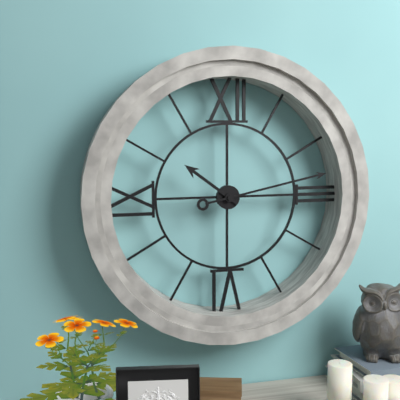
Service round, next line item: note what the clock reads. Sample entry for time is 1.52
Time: 10.13
